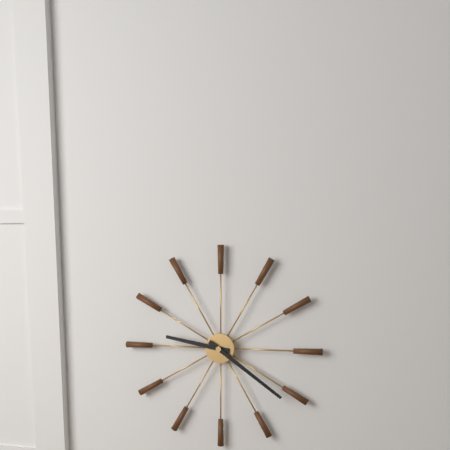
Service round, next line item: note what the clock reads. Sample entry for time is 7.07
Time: 9.21
